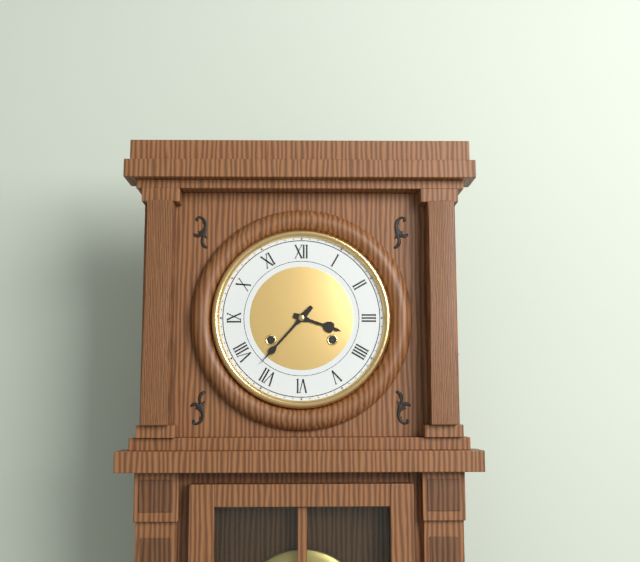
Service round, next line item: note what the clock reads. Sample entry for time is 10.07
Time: 3.37
